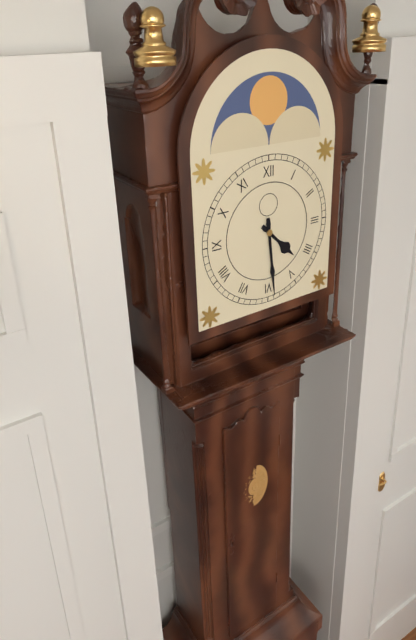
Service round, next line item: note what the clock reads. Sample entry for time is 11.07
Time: 4.29
